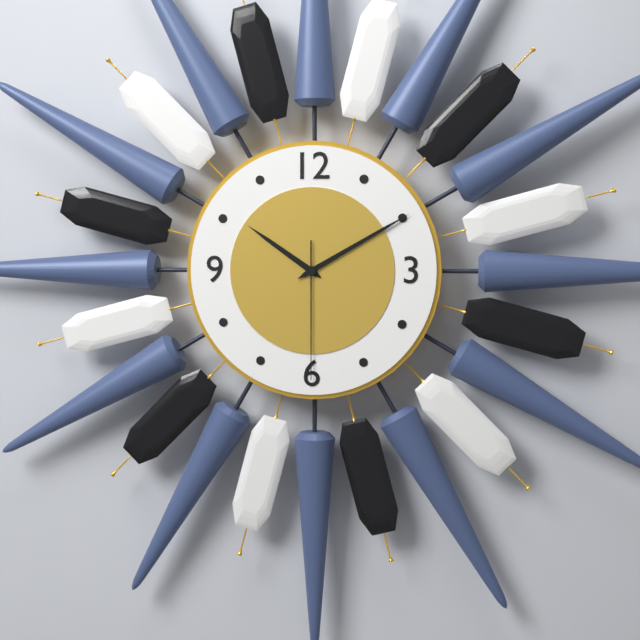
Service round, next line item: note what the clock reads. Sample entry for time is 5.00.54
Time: 10.10.30
